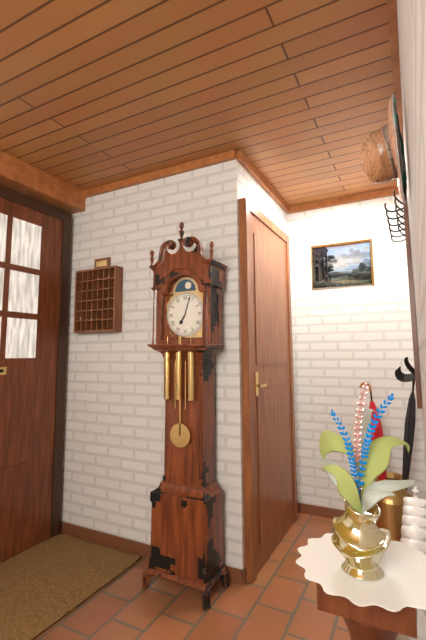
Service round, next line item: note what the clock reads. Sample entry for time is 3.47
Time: 7.03
